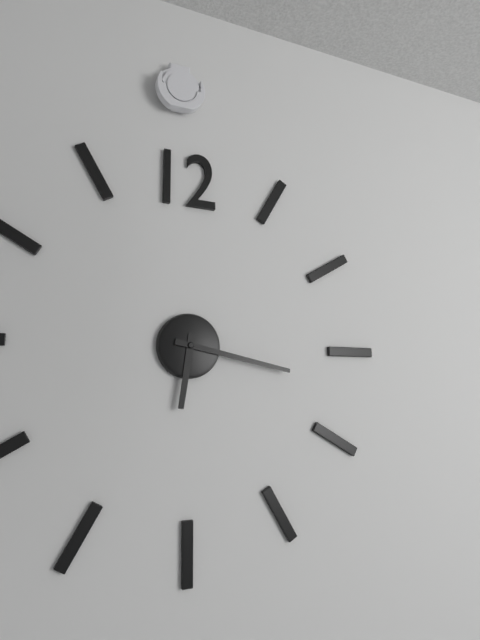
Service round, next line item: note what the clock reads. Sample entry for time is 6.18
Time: 6.17
